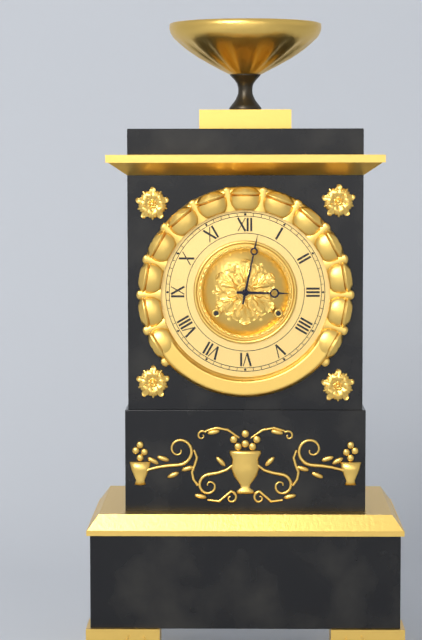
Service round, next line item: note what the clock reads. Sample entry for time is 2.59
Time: 3.02
